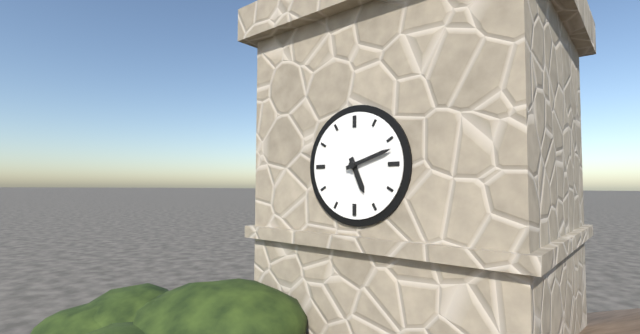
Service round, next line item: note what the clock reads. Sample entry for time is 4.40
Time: 5.12
